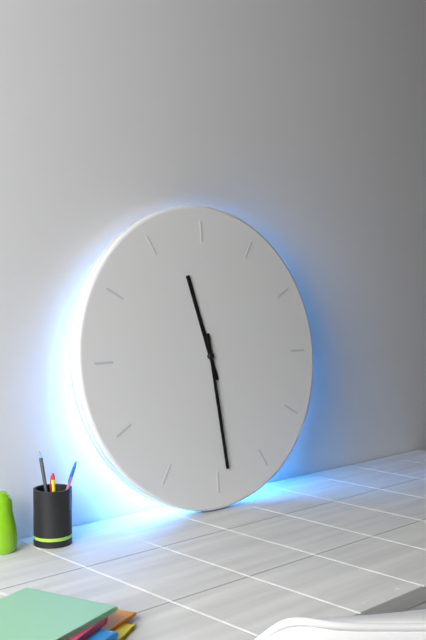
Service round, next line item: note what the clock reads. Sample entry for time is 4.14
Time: 11.29
